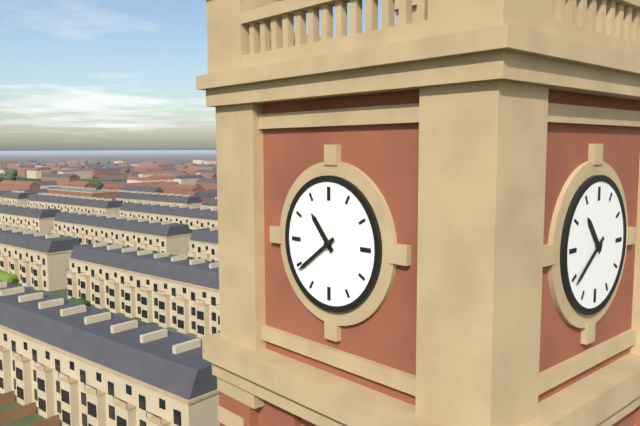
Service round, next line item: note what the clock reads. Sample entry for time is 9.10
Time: 10.39
